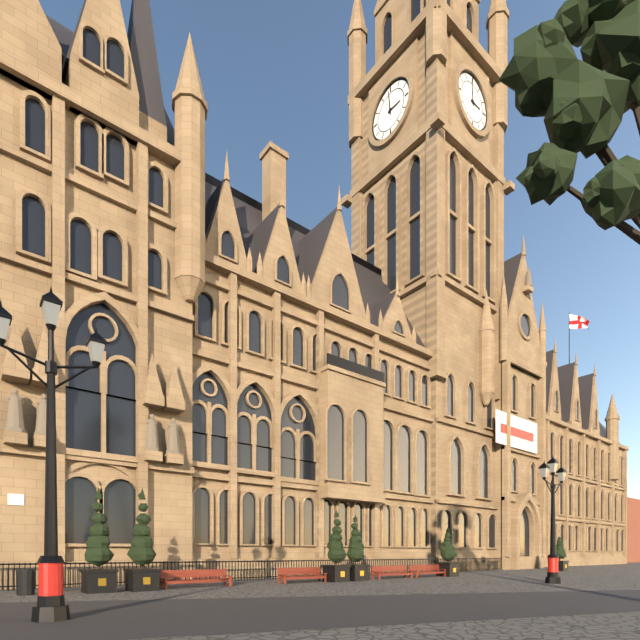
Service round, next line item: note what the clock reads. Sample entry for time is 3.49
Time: 2.59
